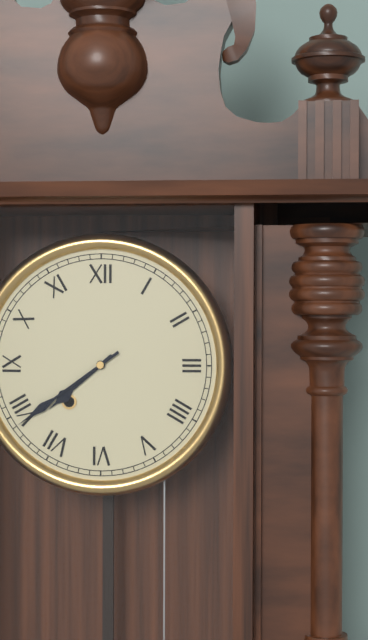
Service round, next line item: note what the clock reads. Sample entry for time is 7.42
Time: 7.39
